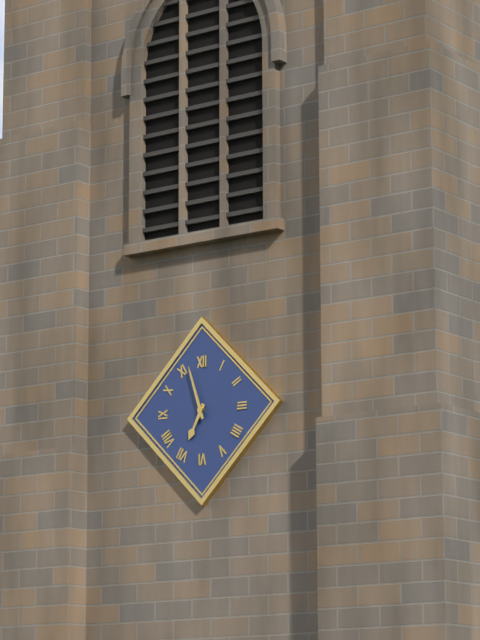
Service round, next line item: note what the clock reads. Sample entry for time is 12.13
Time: 6.57
